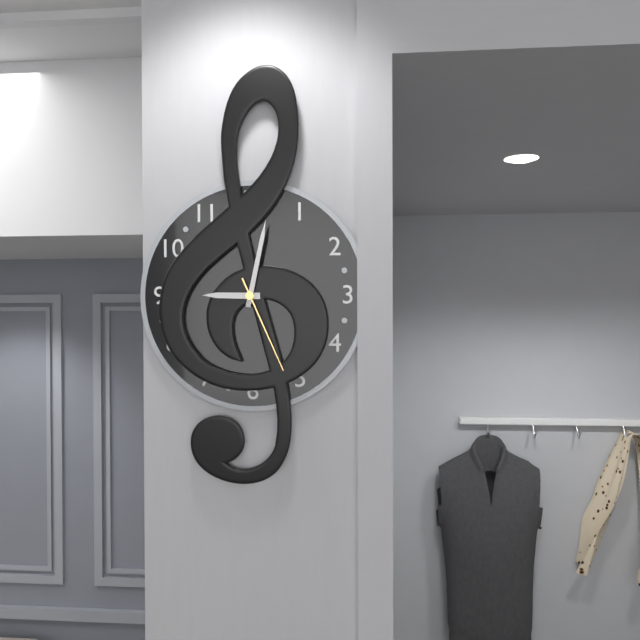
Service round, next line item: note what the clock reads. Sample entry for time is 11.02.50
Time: 9.02.26
